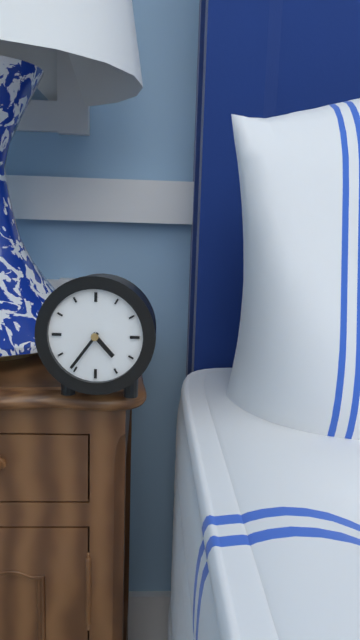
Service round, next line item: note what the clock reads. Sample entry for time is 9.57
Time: 4.36
